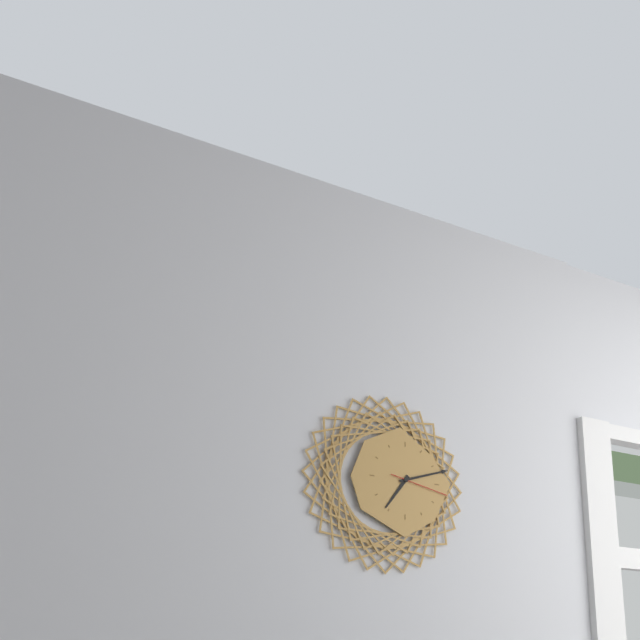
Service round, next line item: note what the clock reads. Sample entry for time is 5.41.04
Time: 7.12.17
